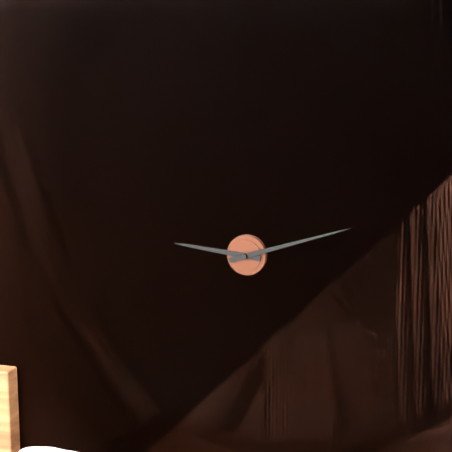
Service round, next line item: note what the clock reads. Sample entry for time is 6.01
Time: 9.12
